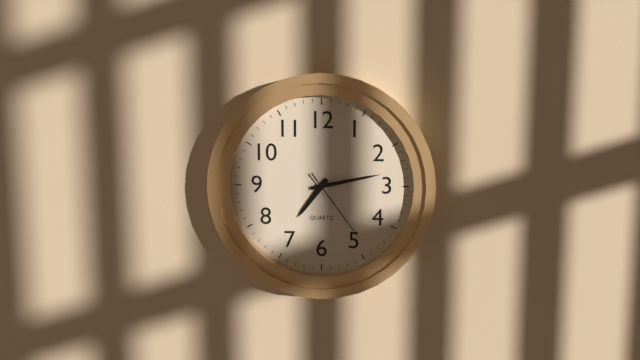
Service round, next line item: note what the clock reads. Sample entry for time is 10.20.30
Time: 7.13.24
